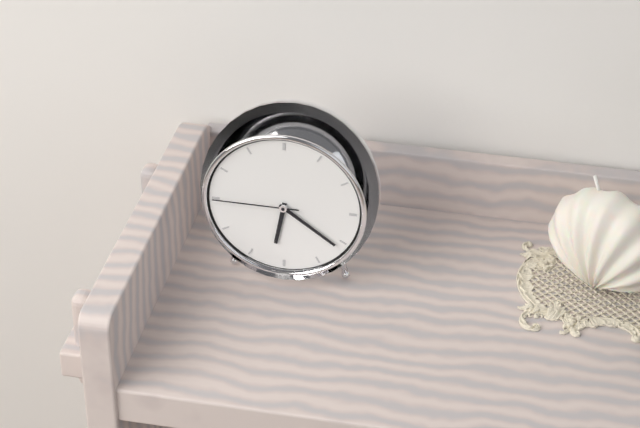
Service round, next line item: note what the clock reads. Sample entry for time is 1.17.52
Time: 6.21.45
